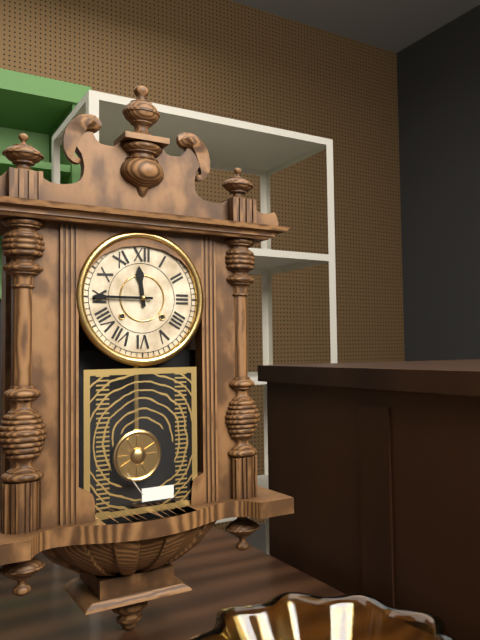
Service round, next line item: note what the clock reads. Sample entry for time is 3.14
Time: 11.45
